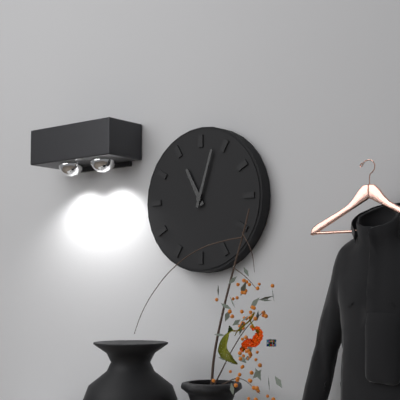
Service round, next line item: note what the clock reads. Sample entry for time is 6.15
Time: 11.03
